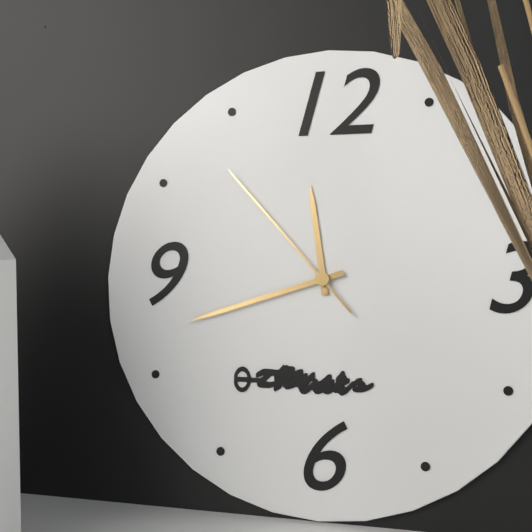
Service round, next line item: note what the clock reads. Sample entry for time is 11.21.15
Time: 11.42.53
